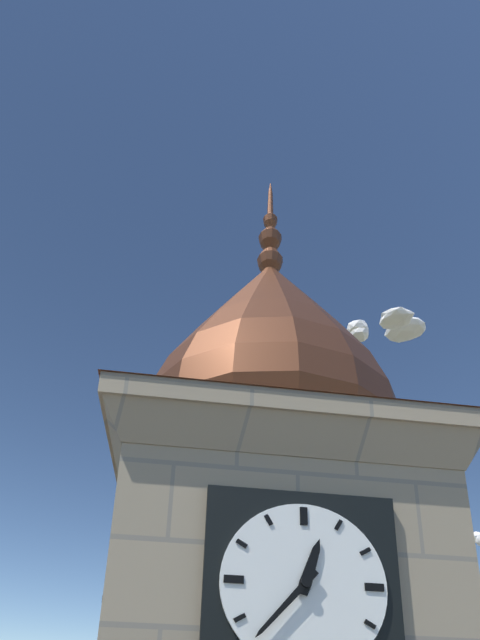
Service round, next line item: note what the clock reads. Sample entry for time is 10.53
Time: 12.37
